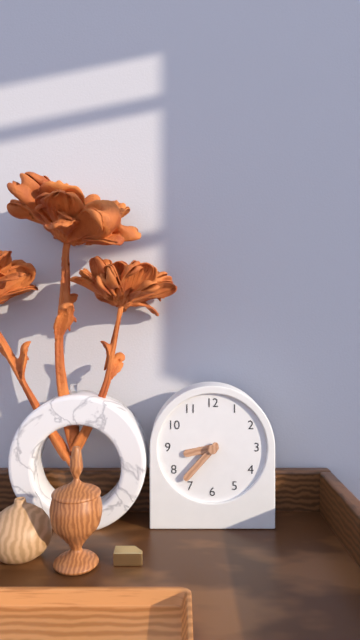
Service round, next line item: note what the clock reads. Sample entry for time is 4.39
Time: 8.37
